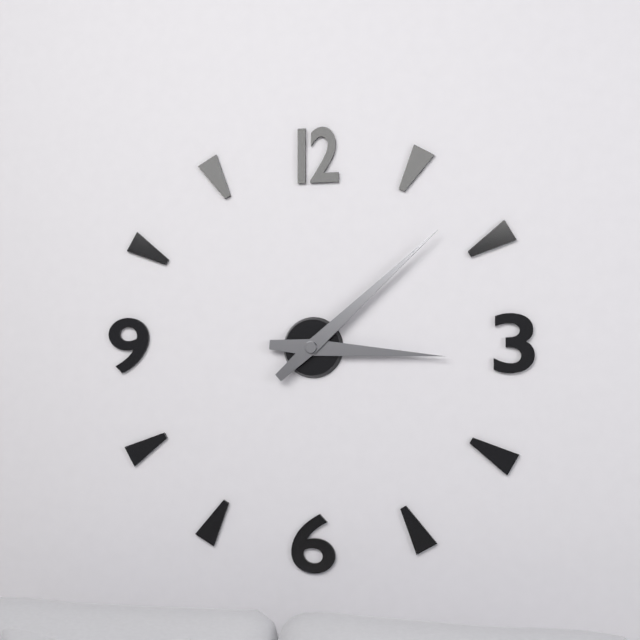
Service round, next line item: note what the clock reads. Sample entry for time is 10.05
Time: 3.08
